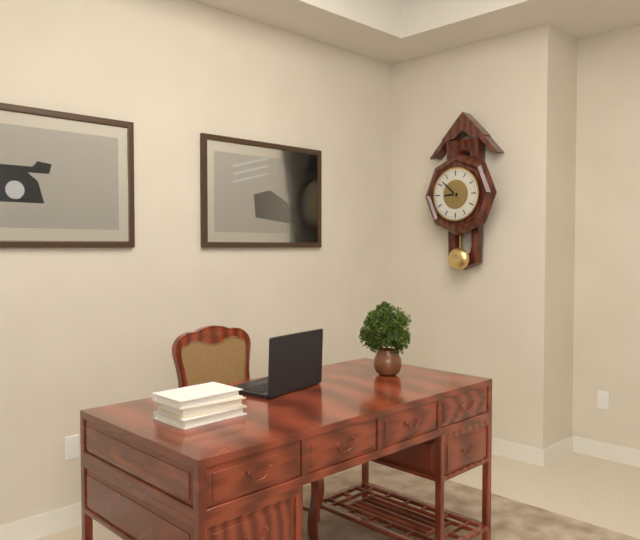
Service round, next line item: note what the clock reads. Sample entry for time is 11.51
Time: 8.52
